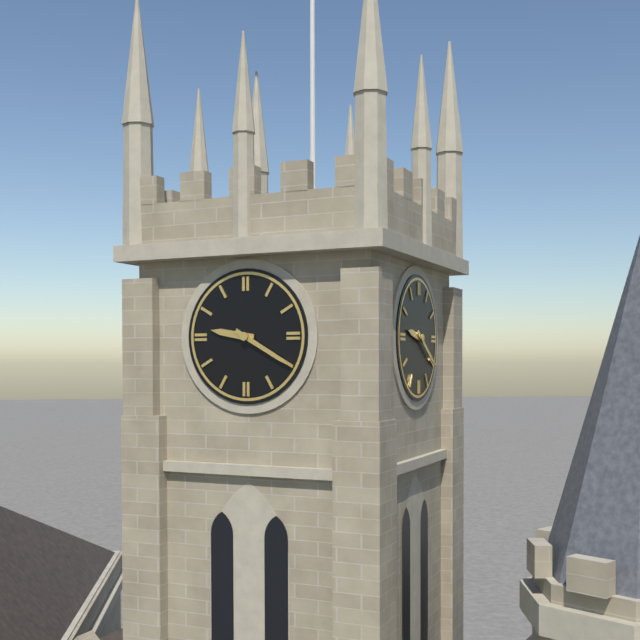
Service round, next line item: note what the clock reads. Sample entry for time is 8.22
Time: 9.20
